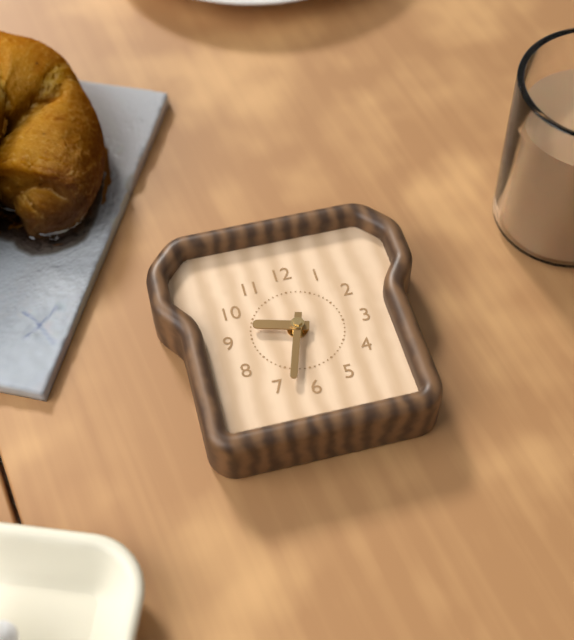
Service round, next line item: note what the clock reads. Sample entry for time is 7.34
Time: 9.33
